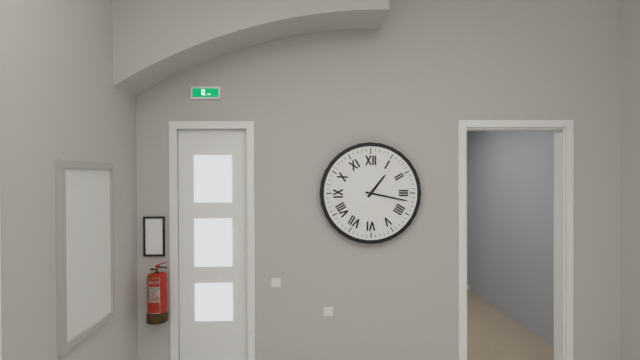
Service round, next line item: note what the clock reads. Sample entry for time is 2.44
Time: 1.17
